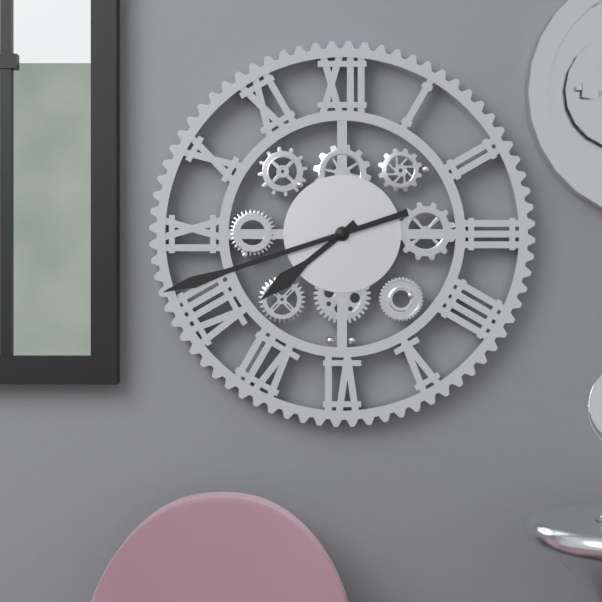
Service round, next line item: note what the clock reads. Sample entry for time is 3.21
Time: 7.42
